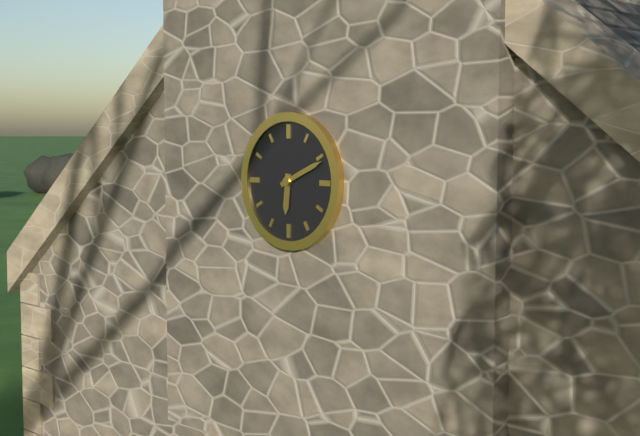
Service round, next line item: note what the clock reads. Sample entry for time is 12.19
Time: 6.11
